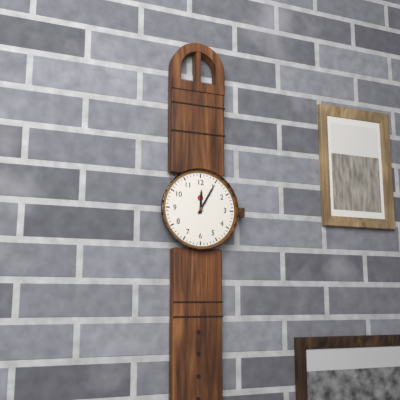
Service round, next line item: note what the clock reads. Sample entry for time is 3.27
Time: 12.05
